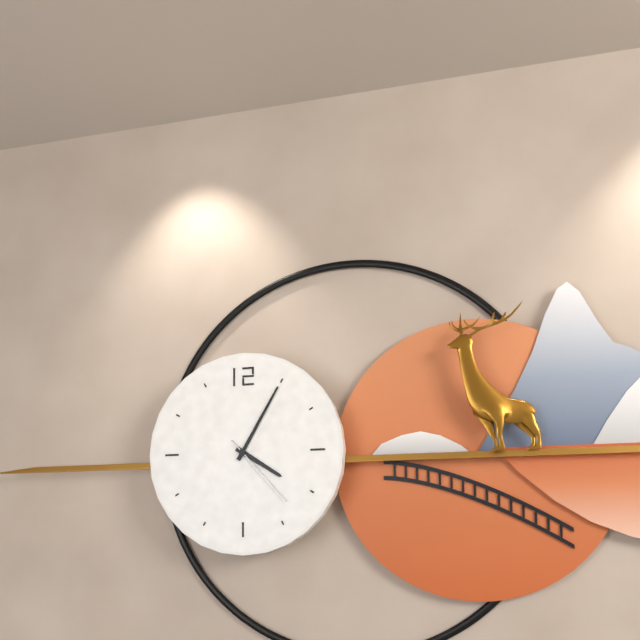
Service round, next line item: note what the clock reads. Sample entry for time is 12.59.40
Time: 4.05.23
